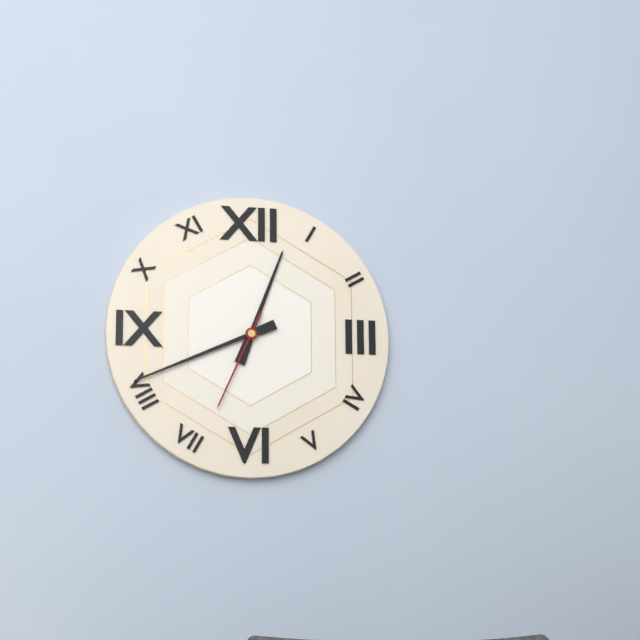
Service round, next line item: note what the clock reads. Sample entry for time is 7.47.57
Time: 12.41.34
